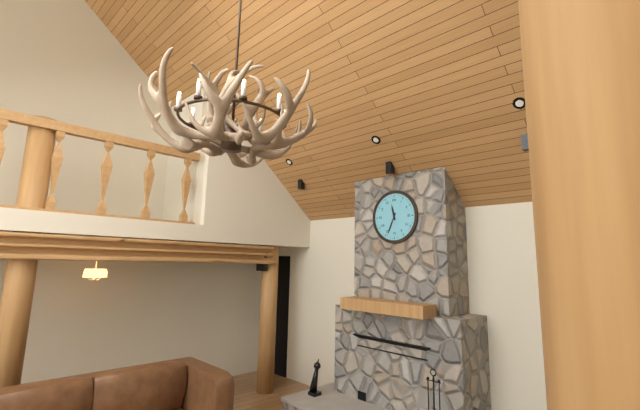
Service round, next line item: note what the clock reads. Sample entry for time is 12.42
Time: 11.34
